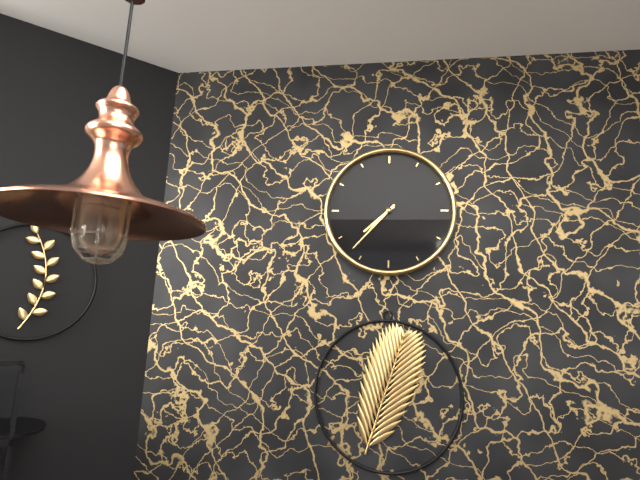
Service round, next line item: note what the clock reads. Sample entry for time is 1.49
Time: 7.37
